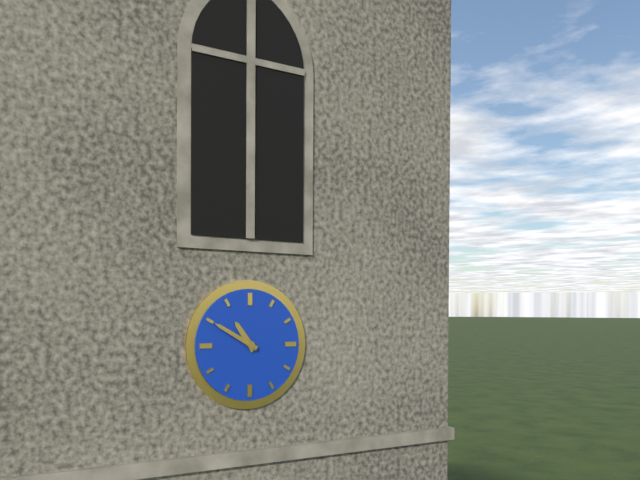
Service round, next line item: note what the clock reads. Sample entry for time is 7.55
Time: 10.50
